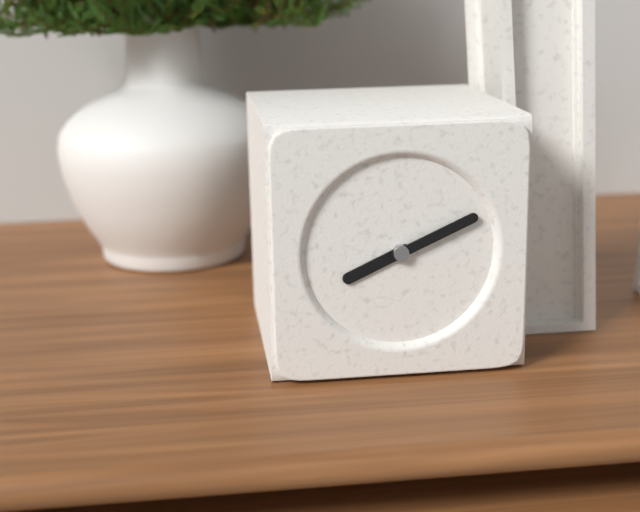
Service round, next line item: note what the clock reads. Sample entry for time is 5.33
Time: 8.11
